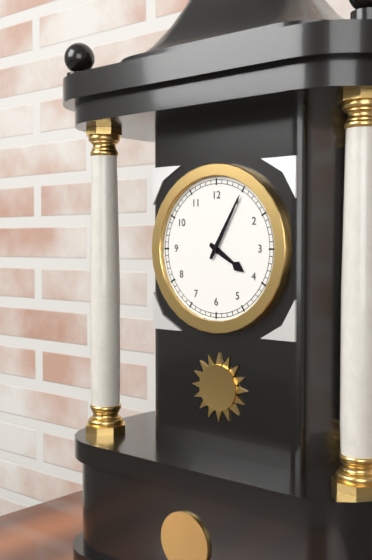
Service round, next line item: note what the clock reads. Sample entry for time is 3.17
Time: 4.05
